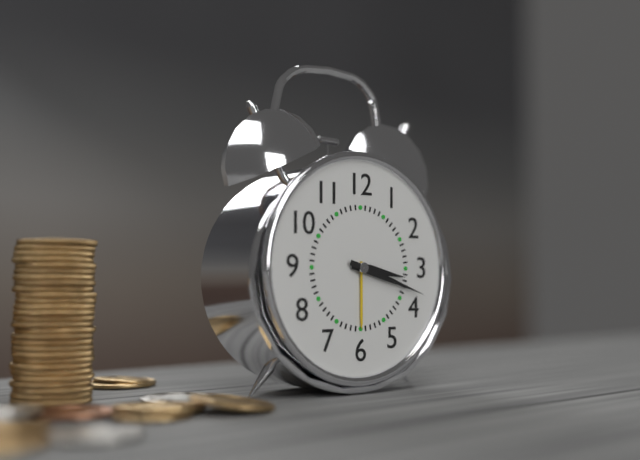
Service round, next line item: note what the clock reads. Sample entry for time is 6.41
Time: 3.18
